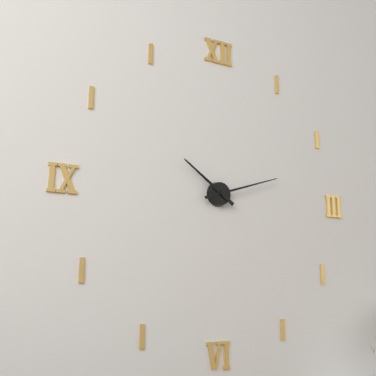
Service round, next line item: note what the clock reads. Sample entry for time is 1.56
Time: 10.12
